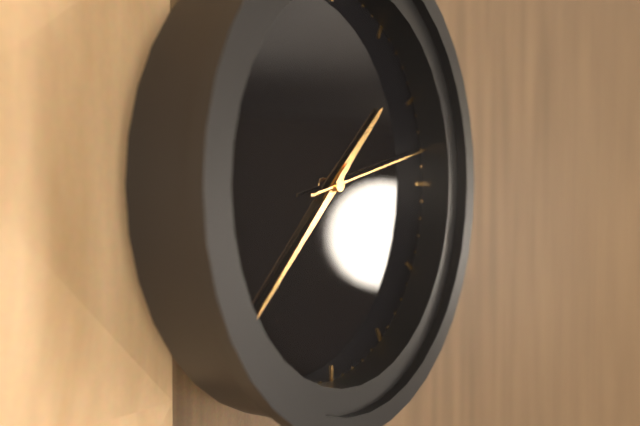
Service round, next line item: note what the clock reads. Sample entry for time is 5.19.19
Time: 1.38.13
